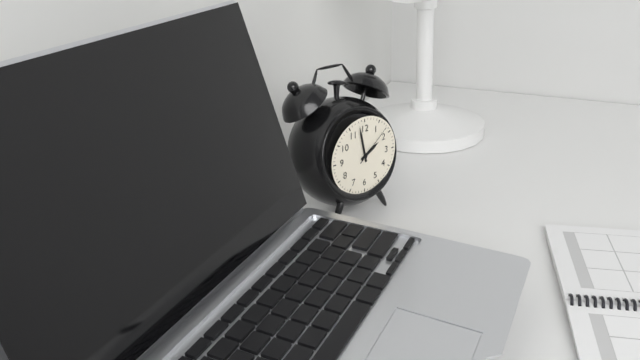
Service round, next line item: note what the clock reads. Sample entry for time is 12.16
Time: 1.58
